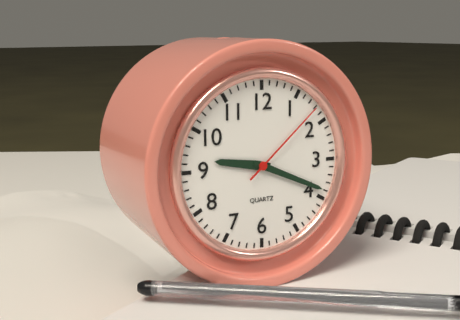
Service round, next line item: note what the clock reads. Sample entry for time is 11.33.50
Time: 9.19.08
